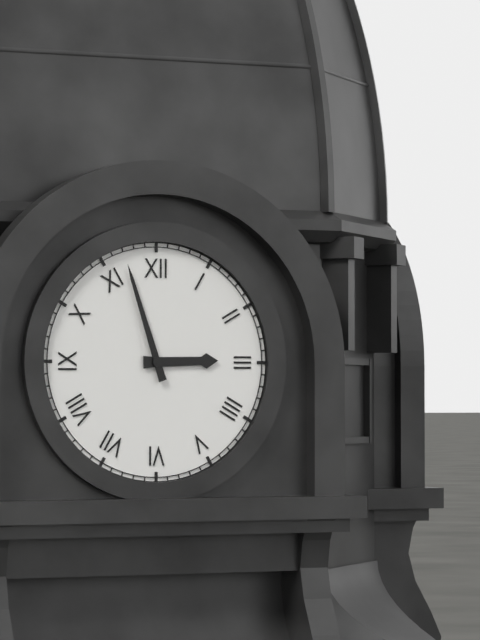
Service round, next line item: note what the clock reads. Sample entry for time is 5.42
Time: 2.57
